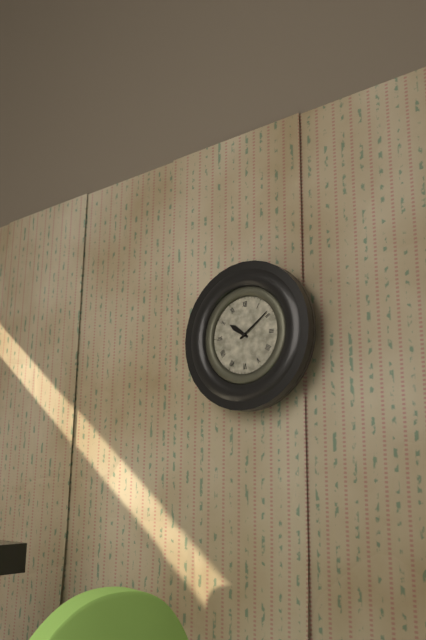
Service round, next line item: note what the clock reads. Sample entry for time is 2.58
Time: 10.09
